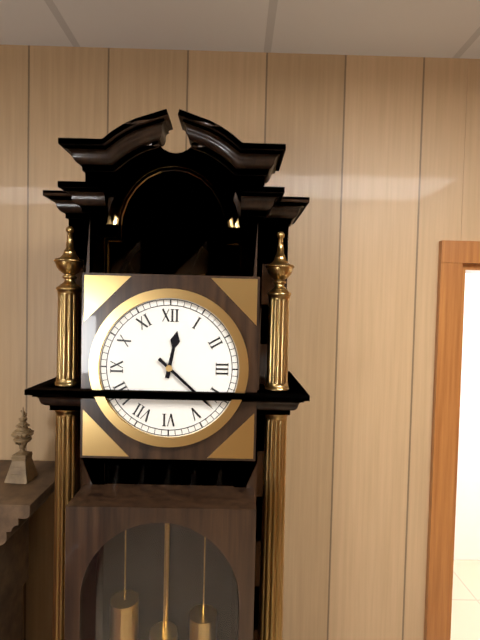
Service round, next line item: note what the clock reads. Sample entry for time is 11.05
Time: 12.22
